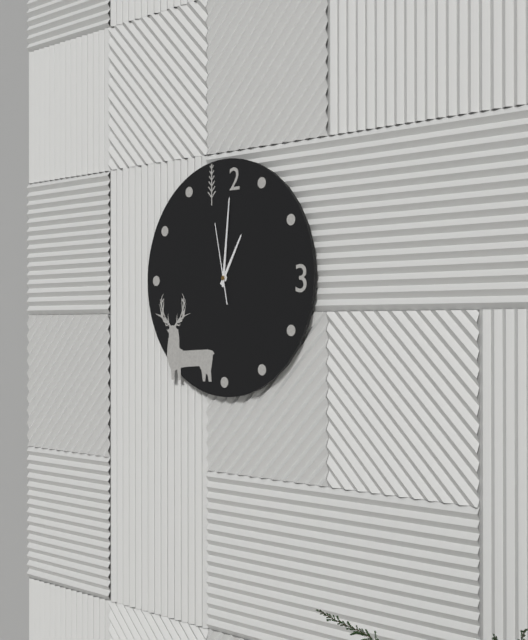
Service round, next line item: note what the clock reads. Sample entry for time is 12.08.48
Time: 1.01.58
